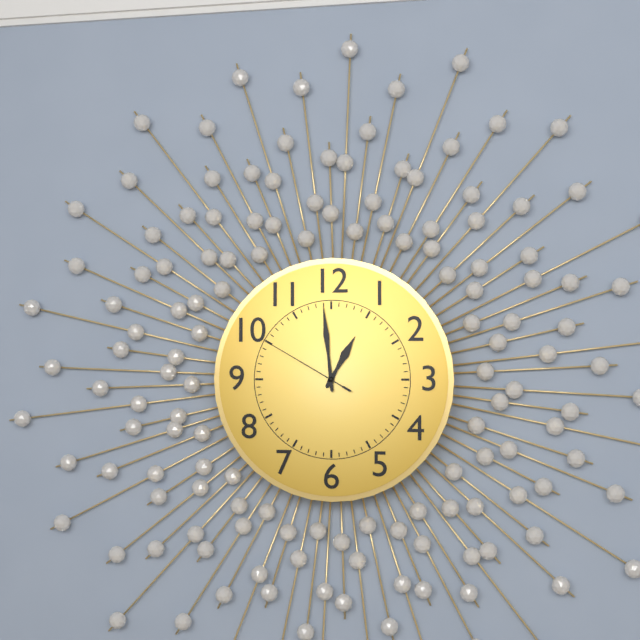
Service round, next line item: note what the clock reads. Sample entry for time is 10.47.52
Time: 12.59.50
